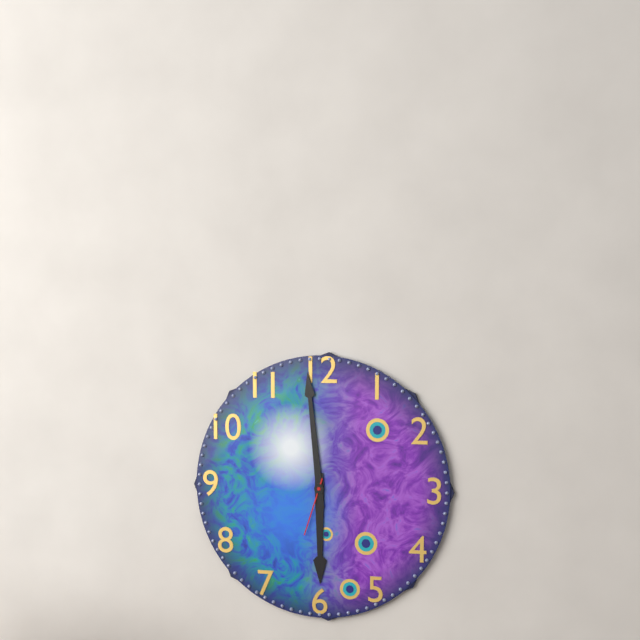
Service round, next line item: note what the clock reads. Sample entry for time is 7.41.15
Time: 5.59.33
